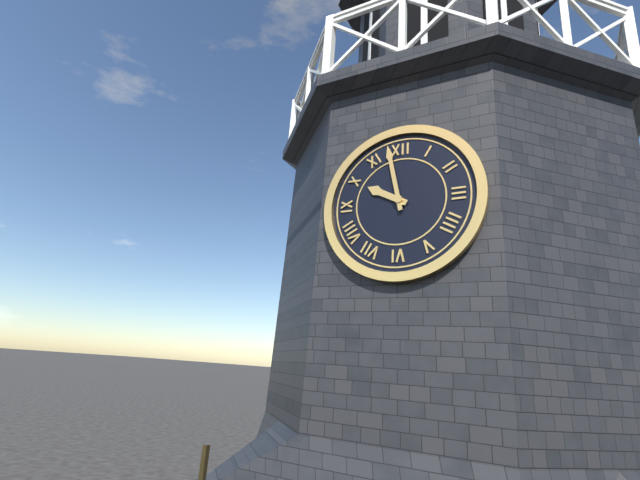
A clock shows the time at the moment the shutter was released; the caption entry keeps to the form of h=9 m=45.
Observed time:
h=9 m=58
